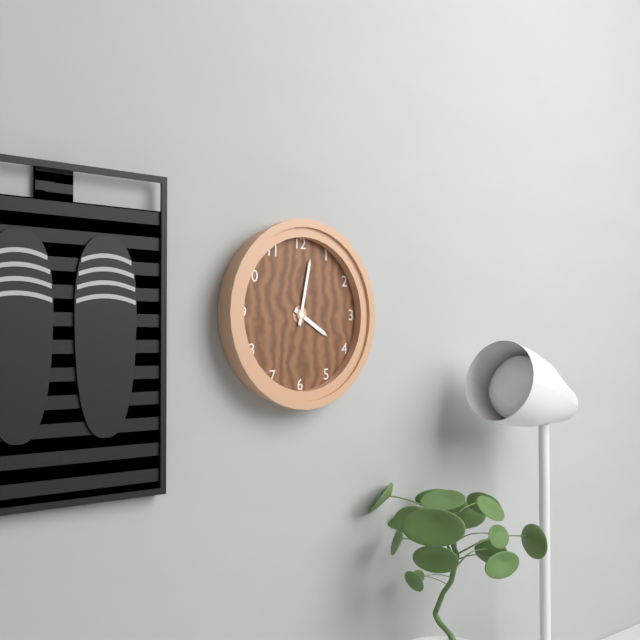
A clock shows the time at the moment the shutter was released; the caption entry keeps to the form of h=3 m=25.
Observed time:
h=4 m=2
